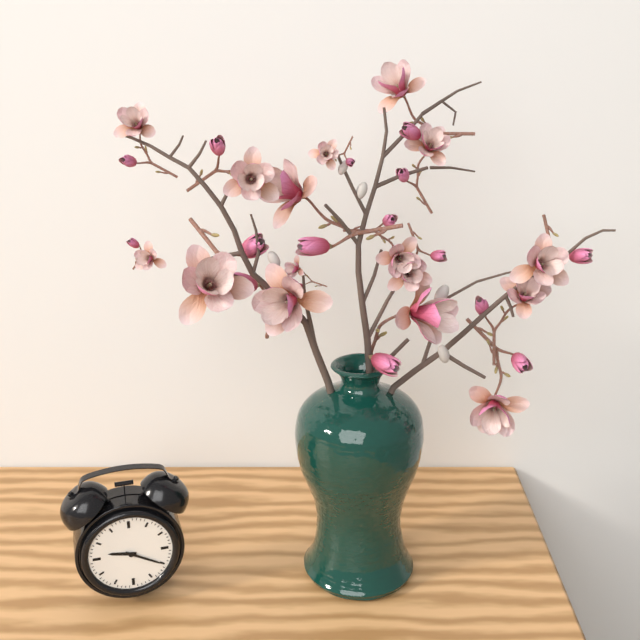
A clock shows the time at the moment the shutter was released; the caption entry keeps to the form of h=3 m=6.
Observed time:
h=9 m=20
